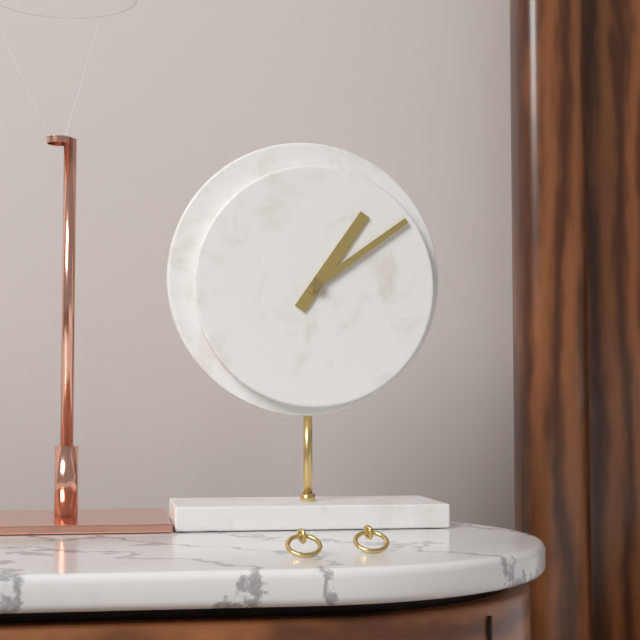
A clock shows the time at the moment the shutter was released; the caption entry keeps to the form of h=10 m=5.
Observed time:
h=1 m=9
